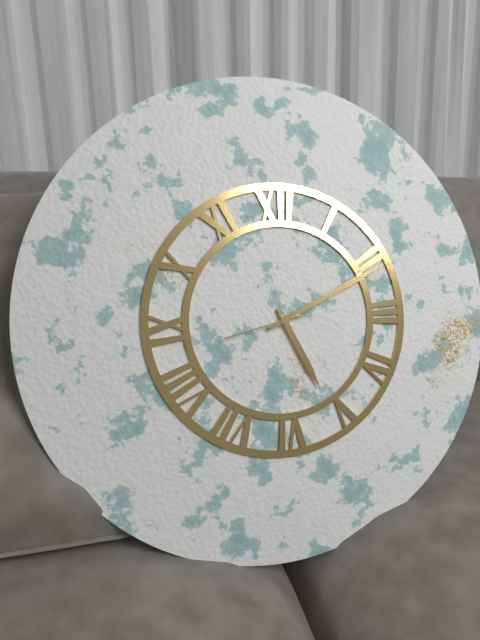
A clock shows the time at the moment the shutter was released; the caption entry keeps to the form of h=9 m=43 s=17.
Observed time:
h=5 m=11 s=43
